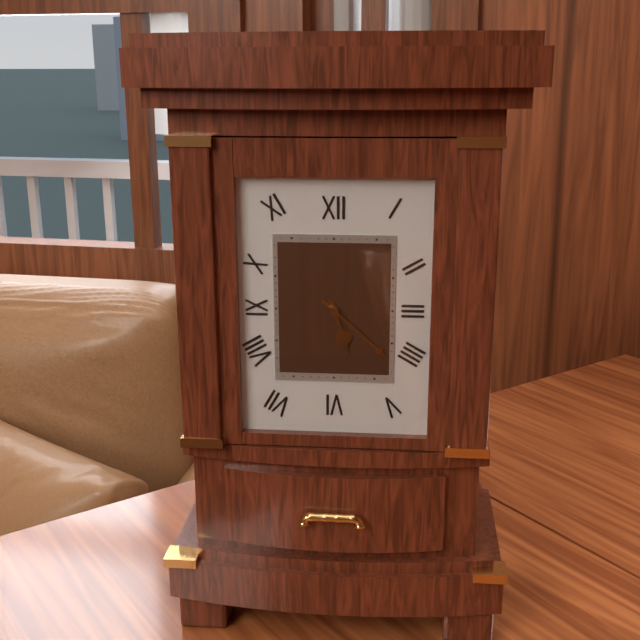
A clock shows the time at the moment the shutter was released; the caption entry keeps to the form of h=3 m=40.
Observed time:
h=5 m=22
